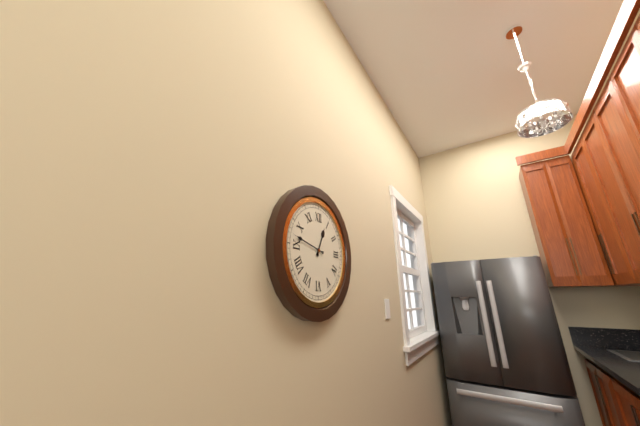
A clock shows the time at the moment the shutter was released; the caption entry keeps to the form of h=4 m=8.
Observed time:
h=12 m=47
